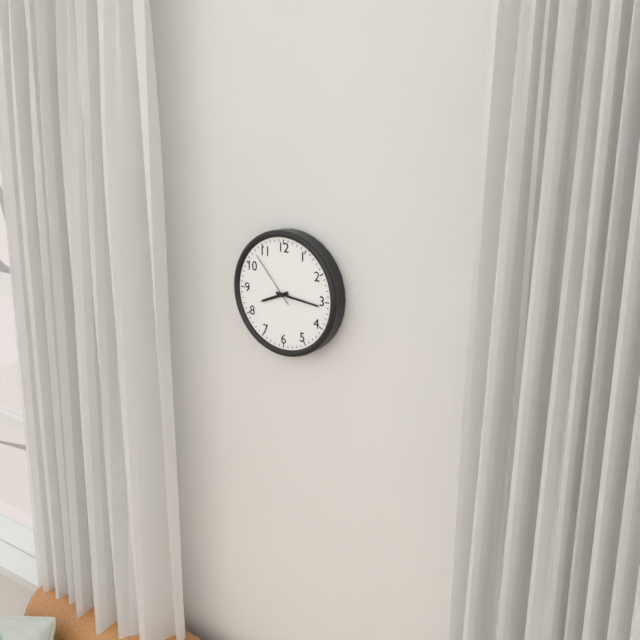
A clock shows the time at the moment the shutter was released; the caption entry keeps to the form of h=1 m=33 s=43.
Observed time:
h=8 m=16 s=53
